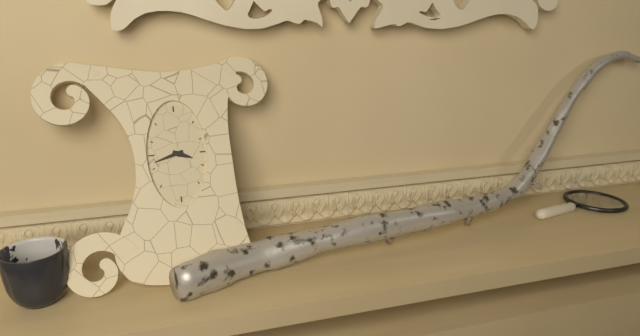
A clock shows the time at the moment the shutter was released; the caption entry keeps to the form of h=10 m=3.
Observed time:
h=3 m=42
